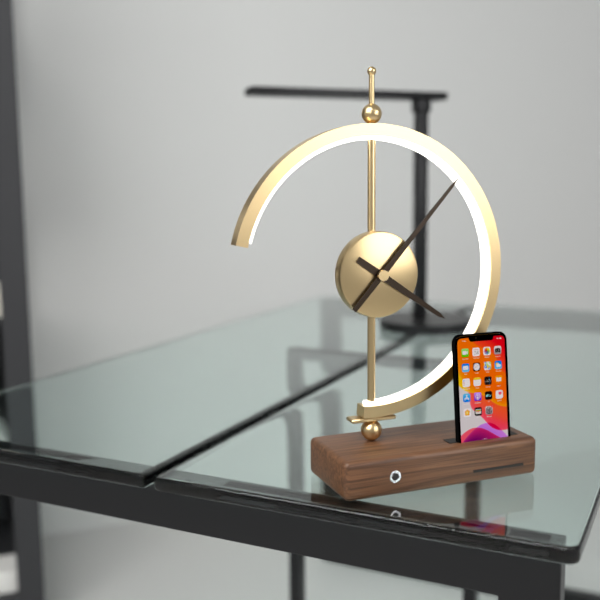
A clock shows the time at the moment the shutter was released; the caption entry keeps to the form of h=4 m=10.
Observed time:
h=4 m=7
